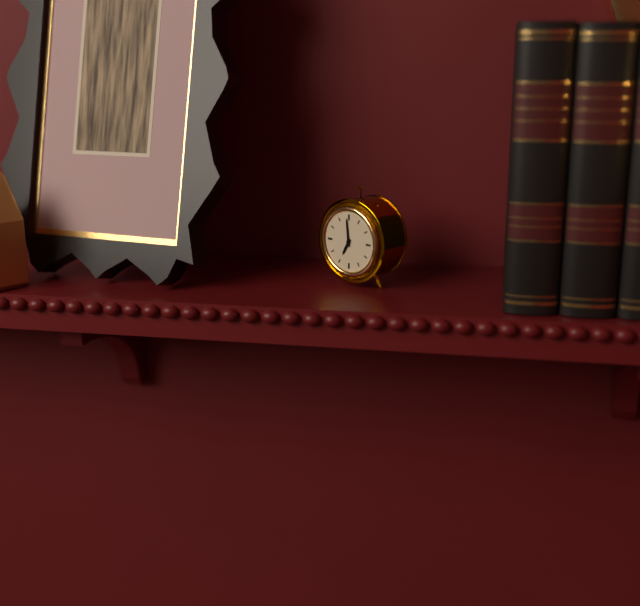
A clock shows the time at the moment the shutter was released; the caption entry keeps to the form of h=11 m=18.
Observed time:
h=6 m=59
